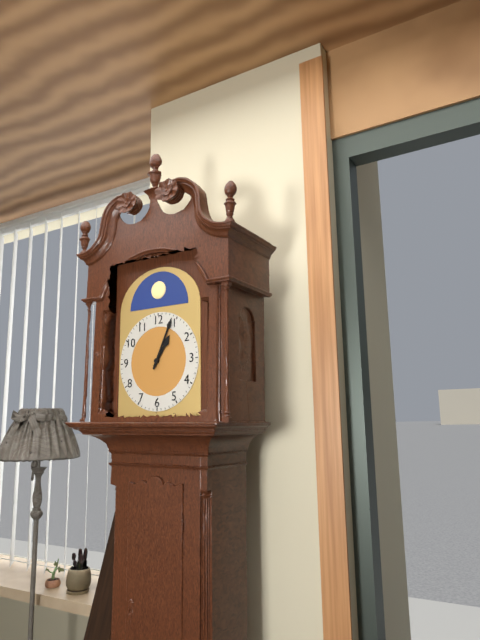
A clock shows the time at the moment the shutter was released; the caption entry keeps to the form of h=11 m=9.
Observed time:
h=1 m=4
